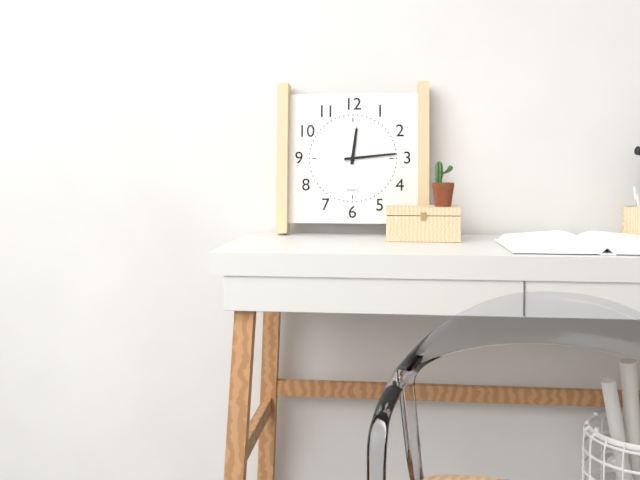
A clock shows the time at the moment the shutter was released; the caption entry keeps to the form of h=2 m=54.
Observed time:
h=12 m=14
